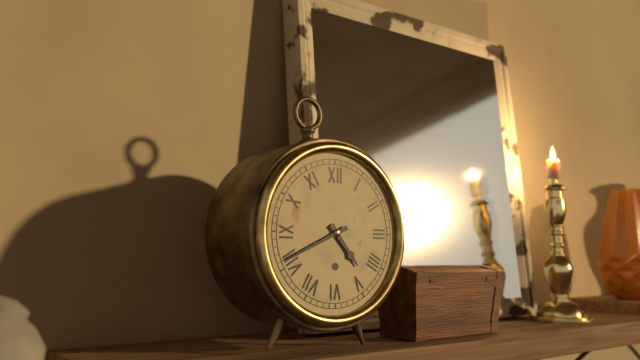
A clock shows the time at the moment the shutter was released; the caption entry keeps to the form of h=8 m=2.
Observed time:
h=4 m=41
